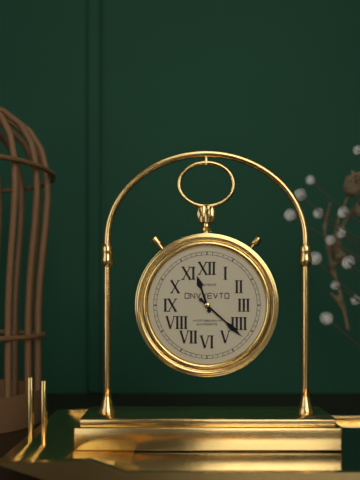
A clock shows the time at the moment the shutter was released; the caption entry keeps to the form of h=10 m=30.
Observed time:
h=11 m=22
